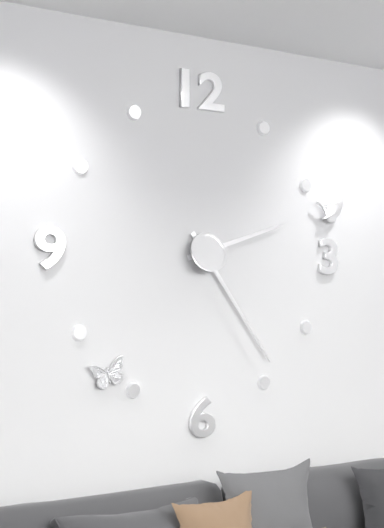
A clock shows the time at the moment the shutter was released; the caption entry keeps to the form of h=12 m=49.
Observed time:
h=2 m=24
